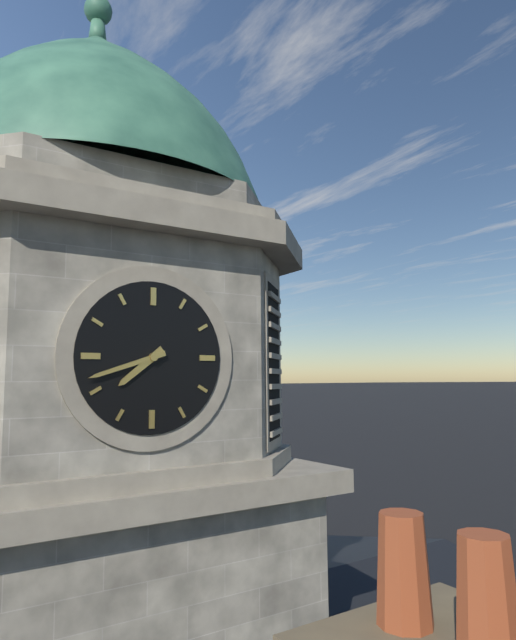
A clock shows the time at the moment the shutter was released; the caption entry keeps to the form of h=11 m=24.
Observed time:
h=7 m=42
